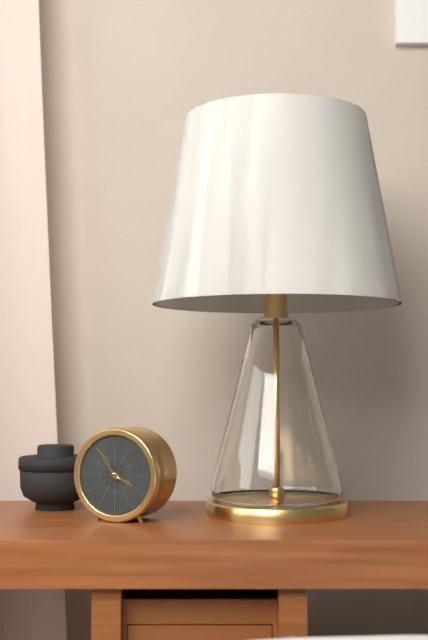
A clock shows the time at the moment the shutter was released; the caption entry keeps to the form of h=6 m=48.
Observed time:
h=3 m=54
